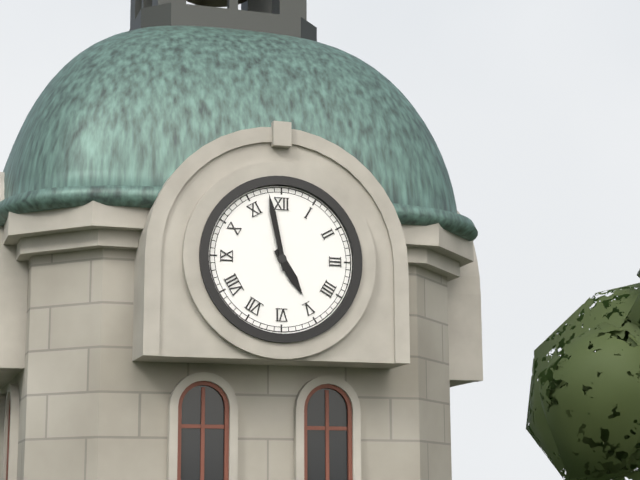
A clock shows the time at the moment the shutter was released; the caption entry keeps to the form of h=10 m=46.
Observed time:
h=4 m=58
